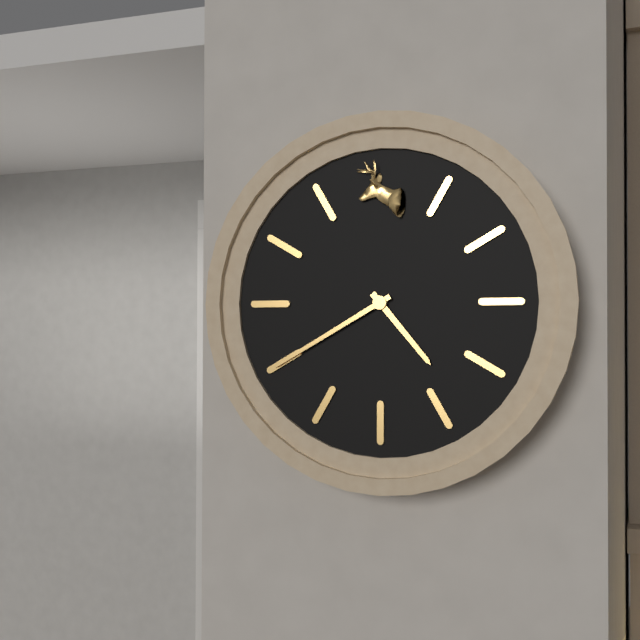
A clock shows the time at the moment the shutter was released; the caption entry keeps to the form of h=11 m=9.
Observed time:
h=4 m=40
